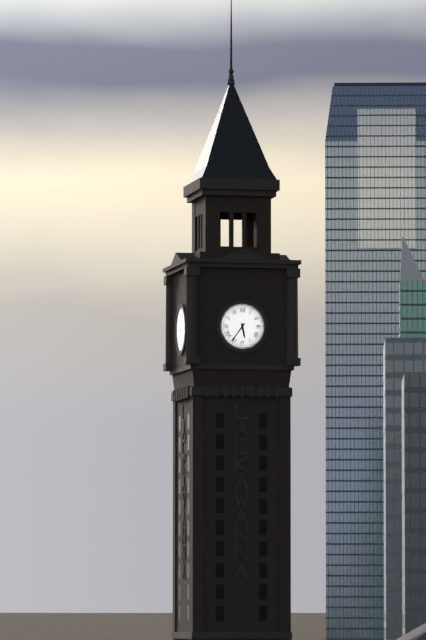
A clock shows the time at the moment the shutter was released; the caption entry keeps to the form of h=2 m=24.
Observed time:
h=5 m=36
